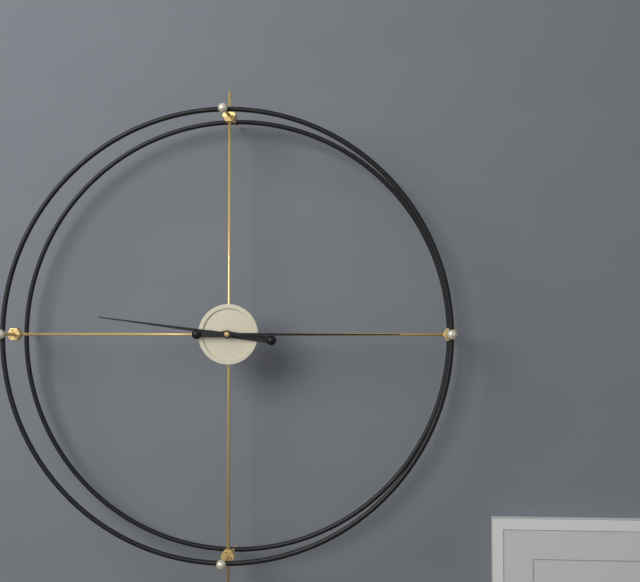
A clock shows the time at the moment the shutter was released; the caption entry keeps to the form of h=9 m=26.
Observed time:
h=9 m=15
